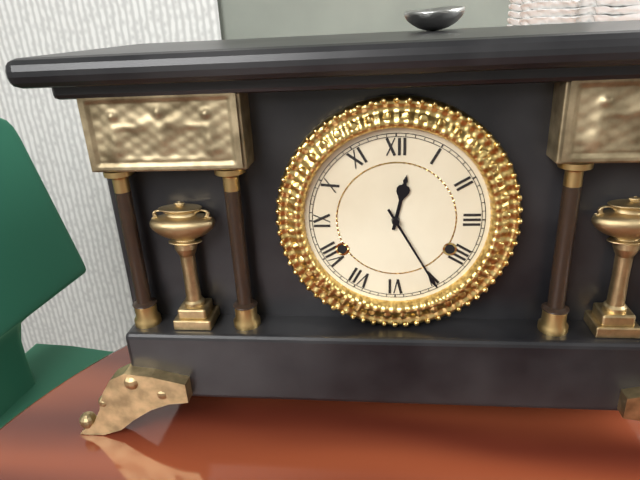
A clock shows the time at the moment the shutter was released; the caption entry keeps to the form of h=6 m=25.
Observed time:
h=12 m=25
